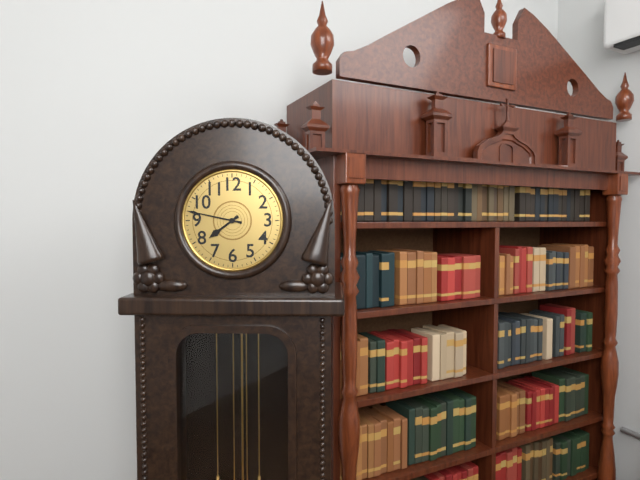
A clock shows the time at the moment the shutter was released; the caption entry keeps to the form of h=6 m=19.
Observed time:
h=7 m=47
